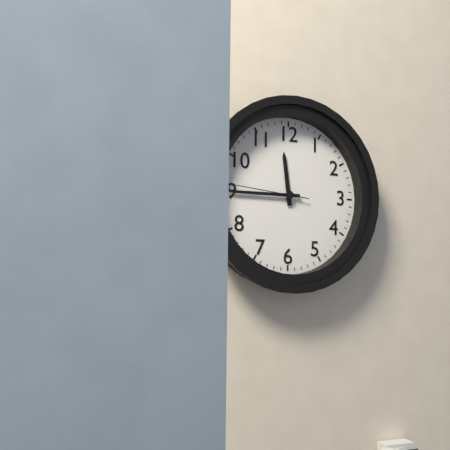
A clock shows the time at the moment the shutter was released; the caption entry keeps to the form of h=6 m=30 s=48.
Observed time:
h=11 m=45 s=46
